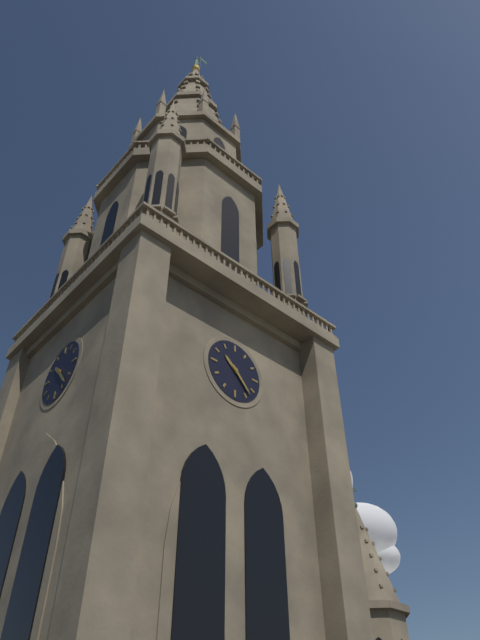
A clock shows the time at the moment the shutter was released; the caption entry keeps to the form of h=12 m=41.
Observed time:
h=10 m=23
